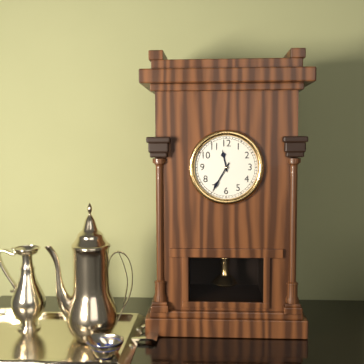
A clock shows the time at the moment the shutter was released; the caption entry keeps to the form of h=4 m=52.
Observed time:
h=11 m=35
